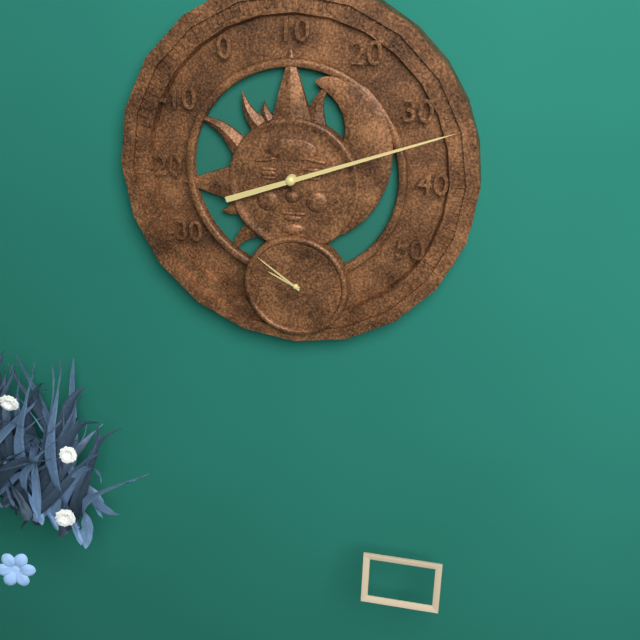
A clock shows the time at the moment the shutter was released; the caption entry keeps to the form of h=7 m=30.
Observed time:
h=9 m=51
